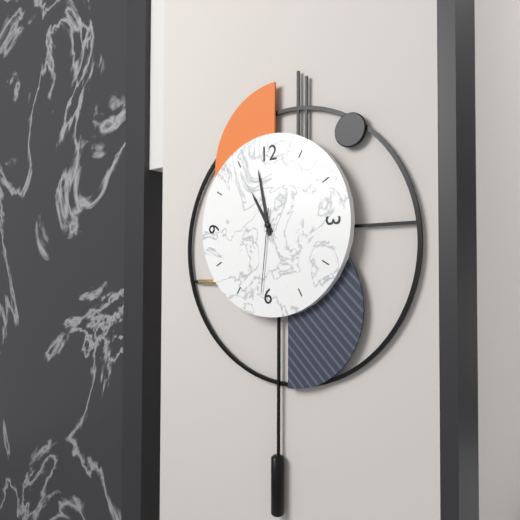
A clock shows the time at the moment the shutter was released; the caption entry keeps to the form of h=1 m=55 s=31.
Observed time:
h=10 m=58 s=31
